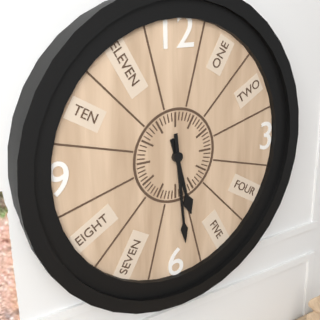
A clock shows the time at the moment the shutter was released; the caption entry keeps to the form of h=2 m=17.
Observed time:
h=5 m=29
